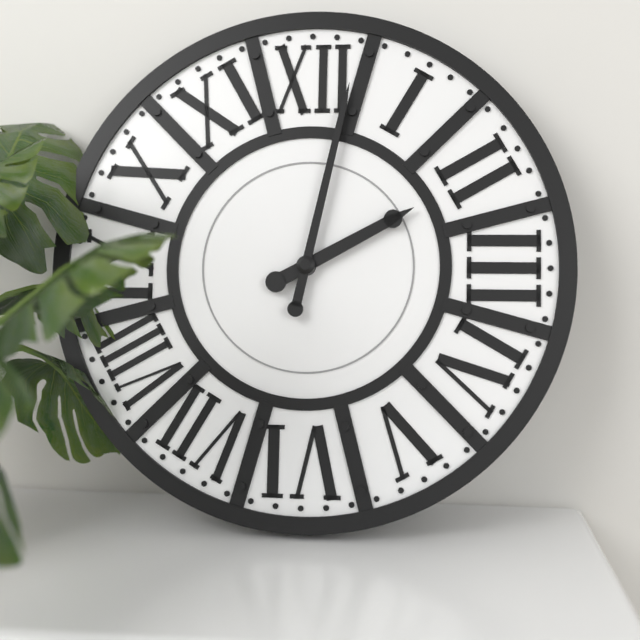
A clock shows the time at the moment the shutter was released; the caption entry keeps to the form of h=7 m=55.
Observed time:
h=2 m=2
